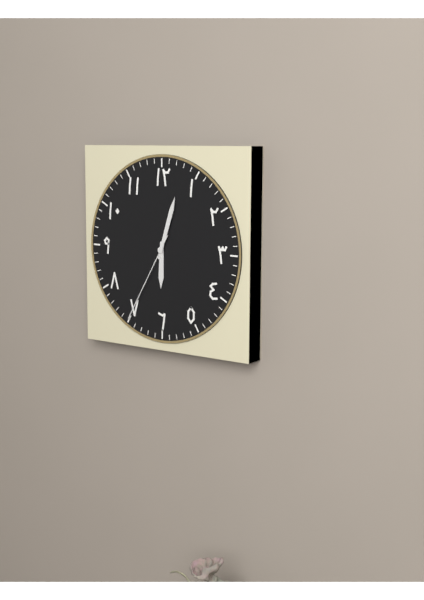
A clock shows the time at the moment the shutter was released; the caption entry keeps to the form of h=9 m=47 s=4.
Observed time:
h=6 m=3 s=35
